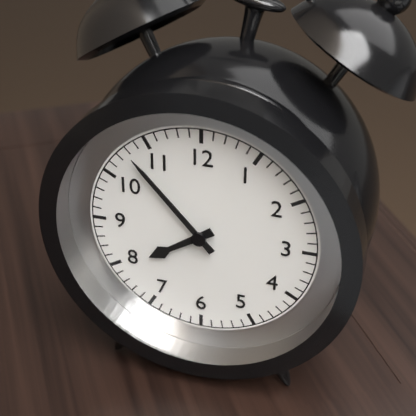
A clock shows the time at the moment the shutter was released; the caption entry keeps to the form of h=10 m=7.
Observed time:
h=7 m=53
